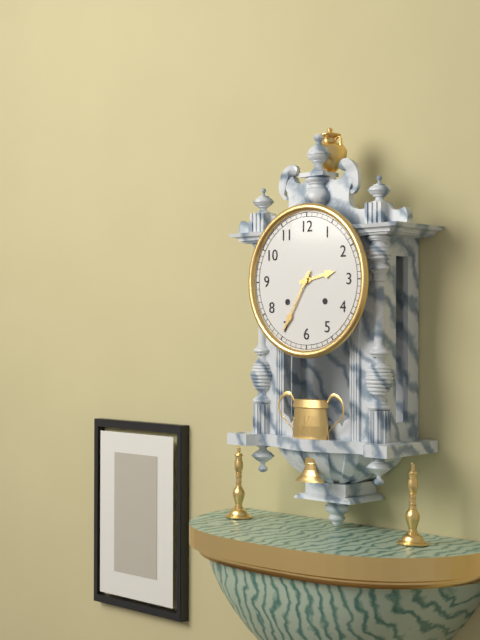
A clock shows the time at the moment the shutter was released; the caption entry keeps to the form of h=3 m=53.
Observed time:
h=2 m=35
